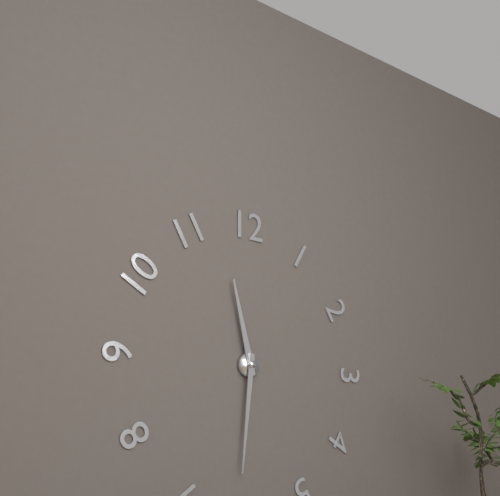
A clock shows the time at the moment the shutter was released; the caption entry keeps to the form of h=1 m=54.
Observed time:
h=11 m=31
